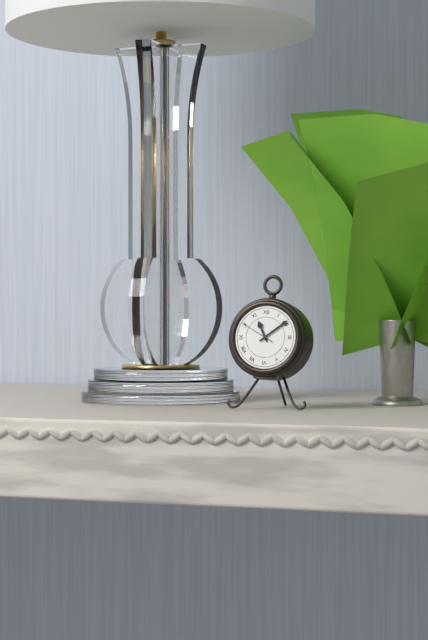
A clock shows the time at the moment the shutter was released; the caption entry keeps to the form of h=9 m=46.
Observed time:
h=11 m=9
